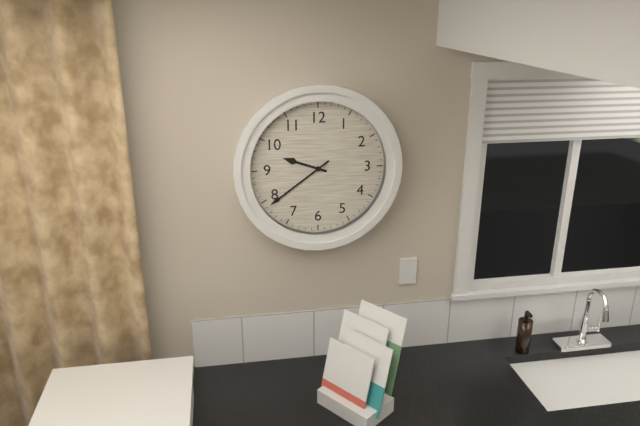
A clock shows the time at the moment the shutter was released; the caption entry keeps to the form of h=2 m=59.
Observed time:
h=9 m=39
